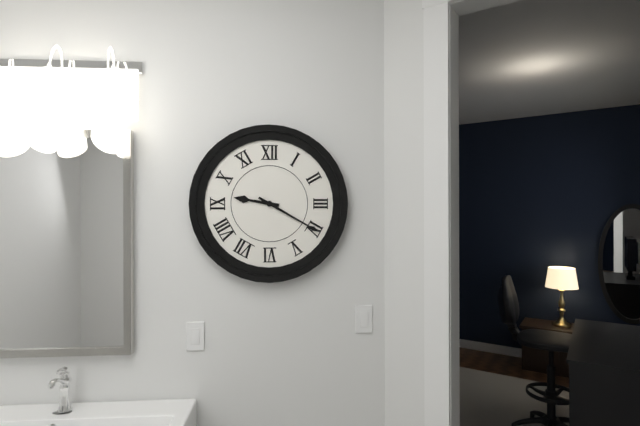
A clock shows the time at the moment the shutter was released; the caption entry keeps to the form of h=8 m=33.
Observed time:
h=9 m=20
